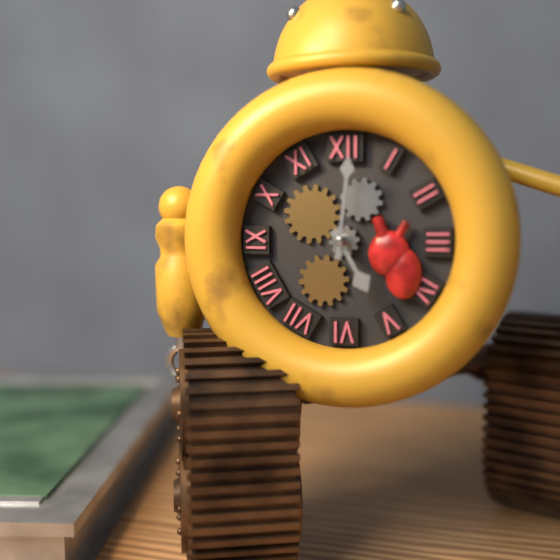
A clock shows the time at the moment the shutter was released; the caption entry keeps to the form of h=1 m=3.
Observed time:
h=5 m=1
